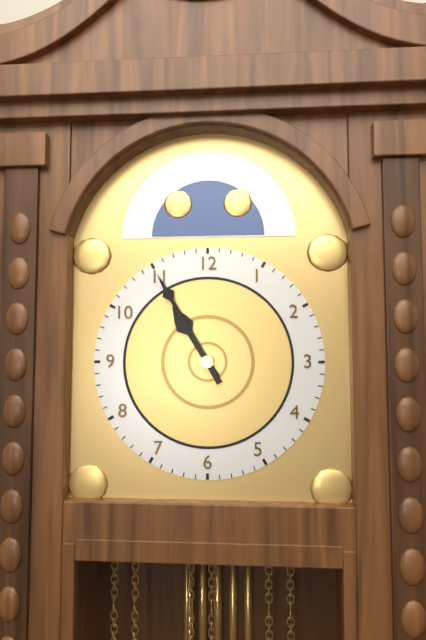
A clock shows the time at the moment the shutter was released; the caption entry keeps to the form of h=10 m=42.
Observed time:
h=10 m=55
